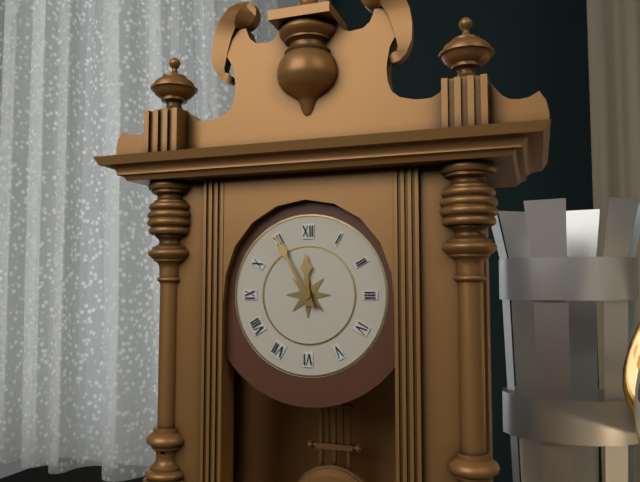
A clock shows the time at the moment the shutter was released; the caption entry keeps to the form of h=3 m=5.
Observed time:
h=11 m=55
